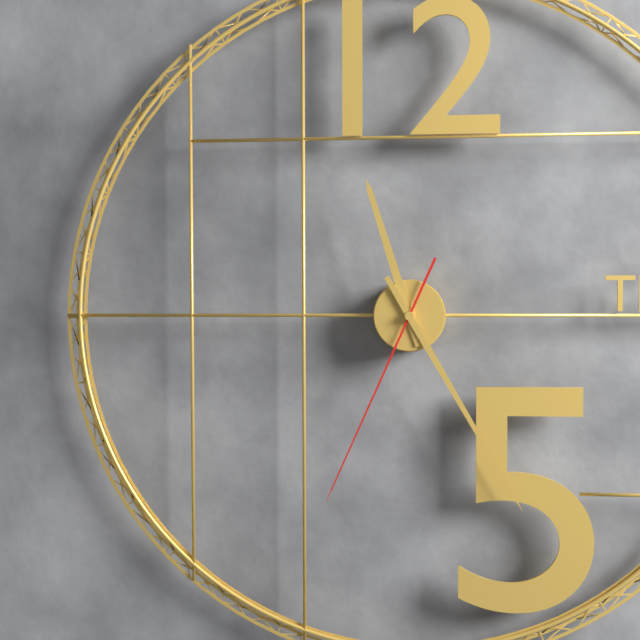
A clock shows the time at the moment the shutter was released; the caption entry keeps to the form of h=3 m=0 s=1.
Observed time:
h=11 m=25 s=34
